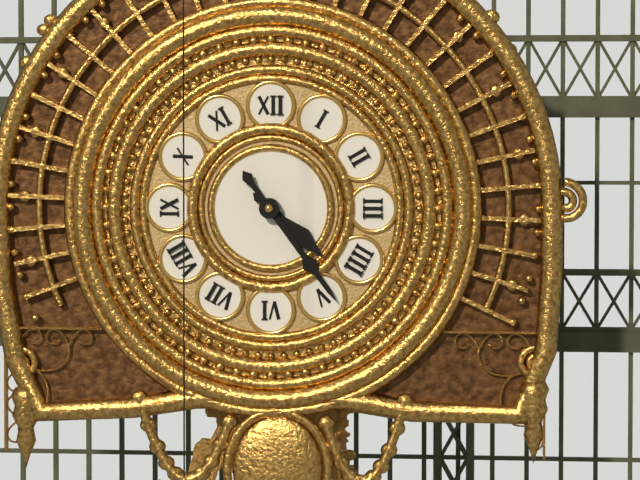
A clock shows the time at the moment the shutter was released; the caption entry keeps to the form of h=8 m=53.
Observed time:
h=4 m=24
